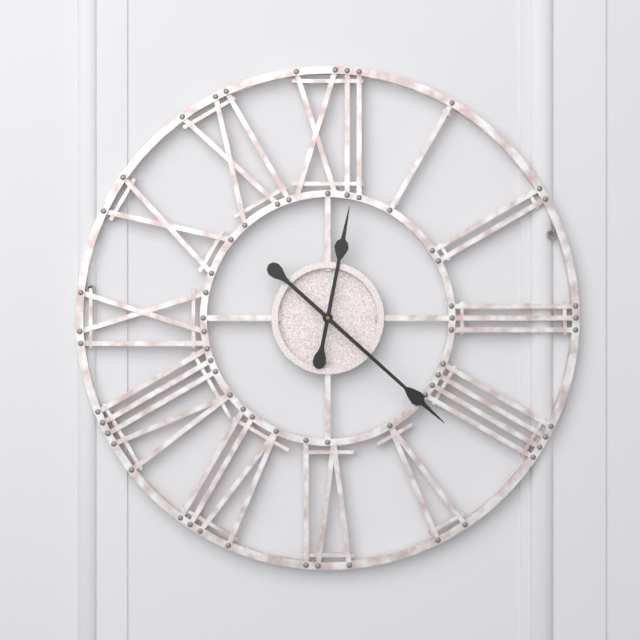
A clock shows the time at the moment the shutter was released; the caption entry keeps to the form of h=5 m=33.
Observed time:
h=12 m=22
